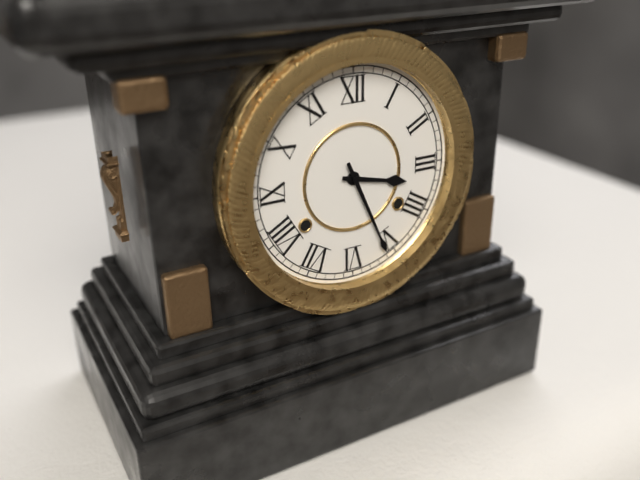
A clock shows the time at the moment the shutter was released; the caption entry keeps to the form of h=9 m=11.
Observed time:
h=3 m=26
